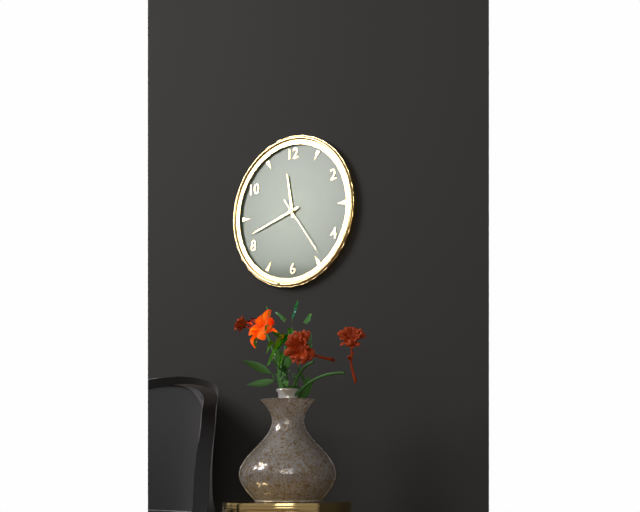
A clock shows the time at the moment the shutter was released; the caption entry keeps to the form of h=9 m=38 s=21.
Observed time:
h=11 m=42 s=24
